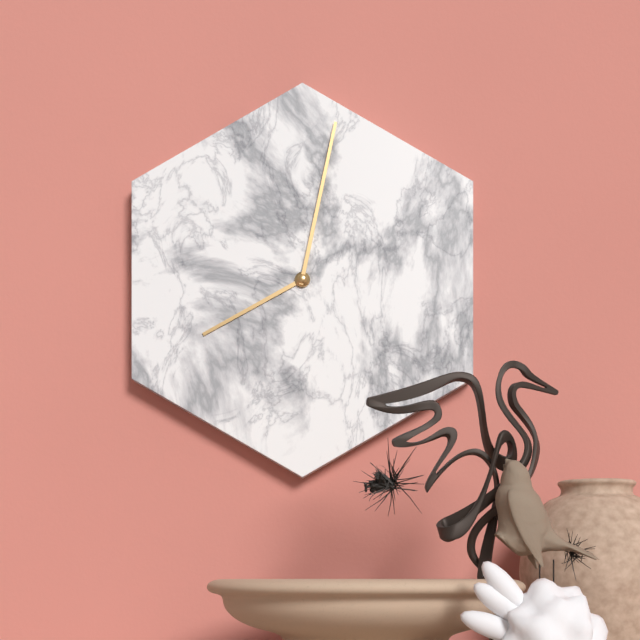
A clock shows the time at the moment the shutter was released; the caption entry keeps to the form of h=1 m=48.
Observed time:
h=8 m=2
